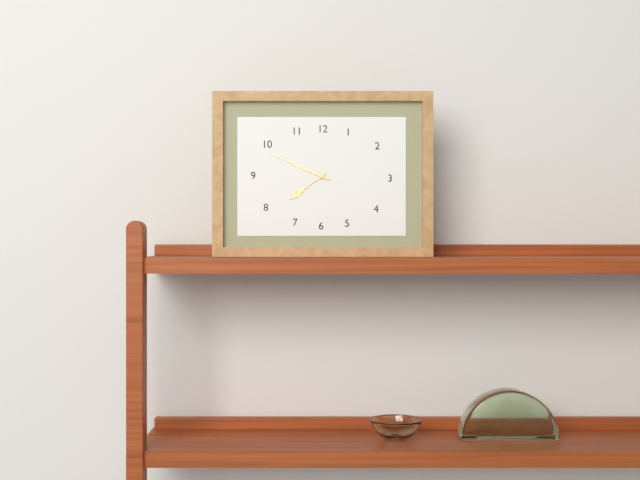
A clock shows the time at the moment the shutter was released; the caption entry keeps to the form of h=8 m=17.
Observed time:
h=7 m=49
